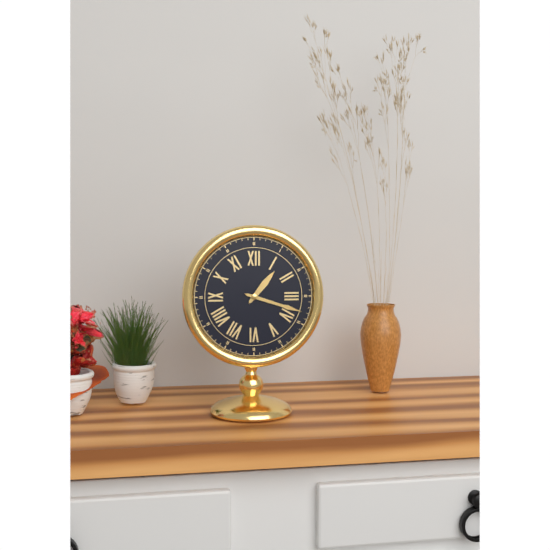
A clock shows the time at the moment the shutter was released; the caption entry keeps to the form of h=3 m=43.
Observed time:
h=1 m=18
